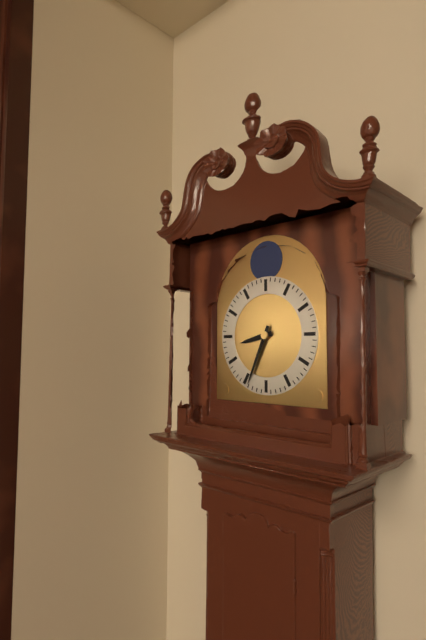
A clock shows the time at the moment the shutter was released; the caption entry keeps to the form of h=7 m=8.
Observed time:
h=8 m=34
